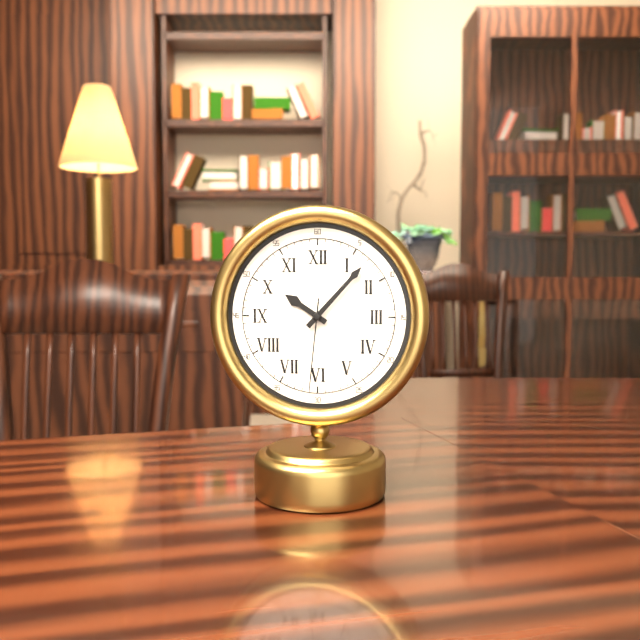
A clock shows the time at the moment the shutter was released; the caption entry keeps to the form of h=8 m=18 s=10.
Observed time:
h=10 m=7 s=31
